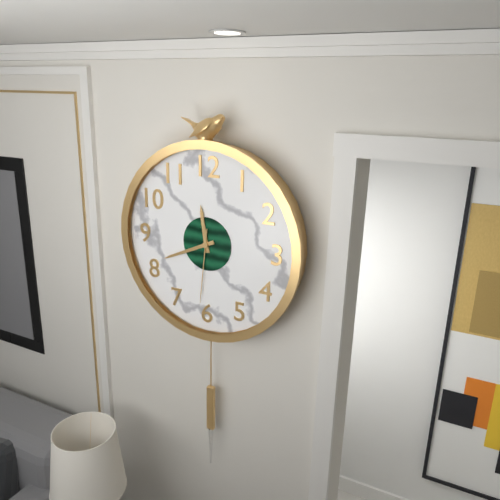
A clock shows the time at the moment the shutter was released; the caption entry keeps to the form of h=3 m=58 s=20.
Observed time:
h=11 m=41 s=31
